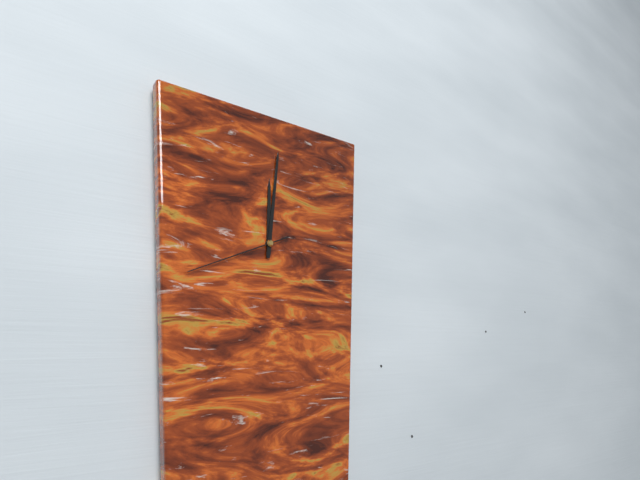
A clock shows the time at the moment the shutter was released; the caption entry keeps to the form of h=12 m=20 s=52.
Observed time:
h=12 m=1 s=41
